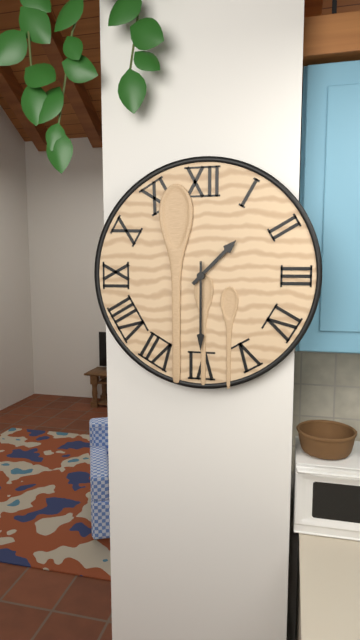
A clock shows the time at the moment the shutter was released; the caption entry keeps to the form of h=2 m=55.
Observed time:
h=1 m=30
